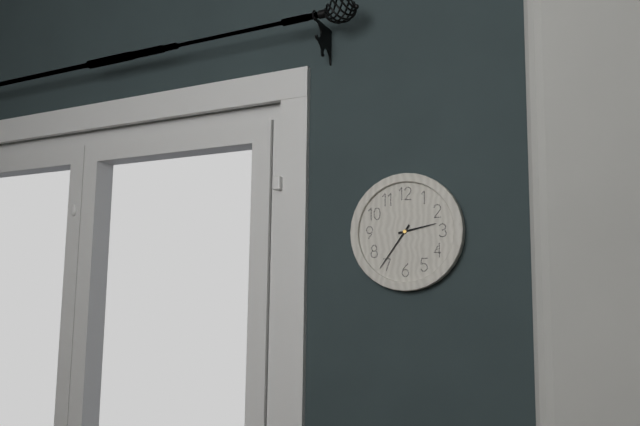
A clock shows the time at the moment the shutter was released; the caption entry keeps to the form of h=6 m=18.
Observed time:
h=2 m=36
